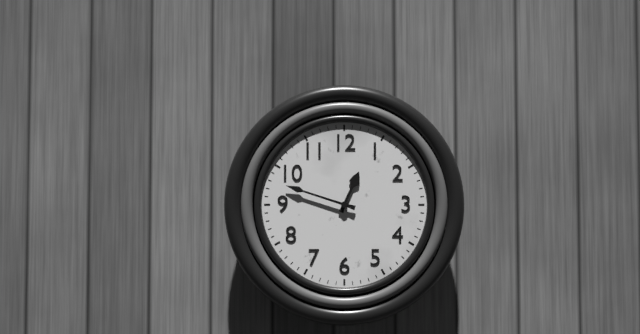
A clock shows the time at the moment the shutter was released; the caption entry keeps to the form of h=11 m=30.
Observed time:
h=12 m=48
